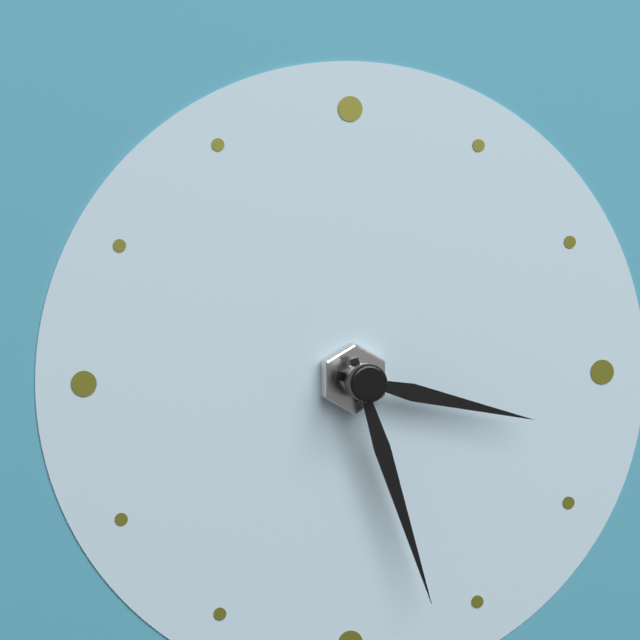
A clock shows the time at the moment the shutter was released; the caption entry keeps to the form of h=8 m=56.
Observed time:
h=3 m=27
